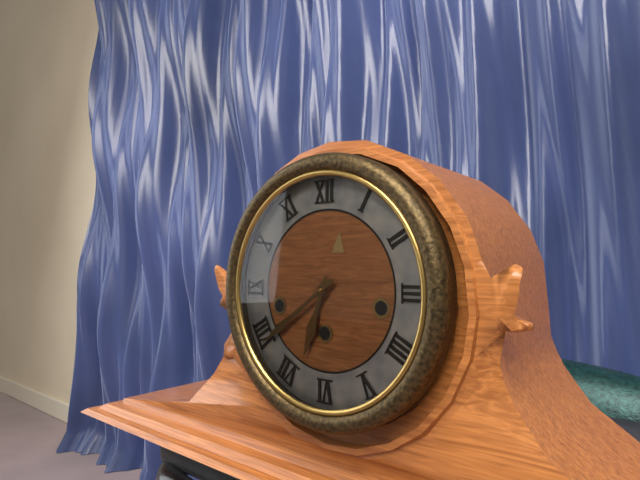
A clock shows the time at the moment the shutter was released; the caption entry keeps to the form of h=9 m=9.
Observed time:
h=6 m=39
